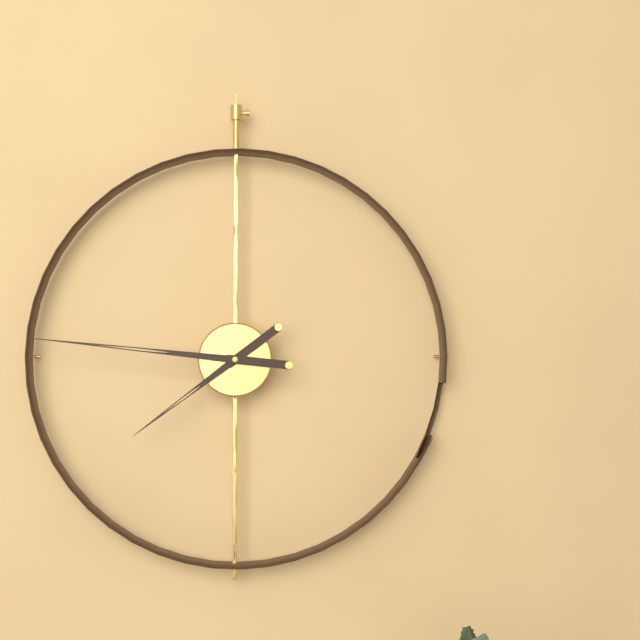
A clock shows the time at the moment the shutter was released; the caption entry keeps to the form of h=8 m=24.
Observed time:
h=7 m=46
